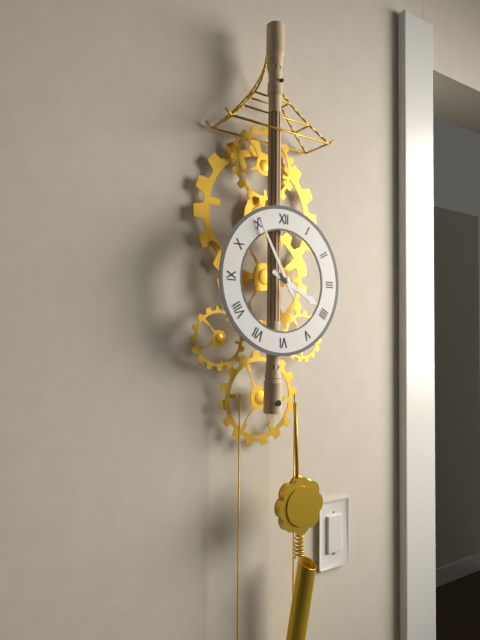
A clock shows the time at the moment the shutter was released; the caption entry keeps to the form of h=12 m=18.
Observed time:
h=3 m=55
